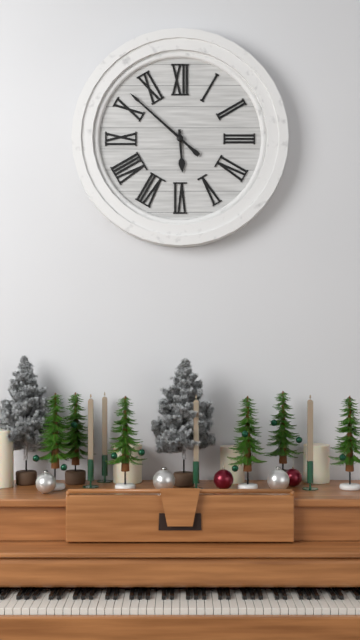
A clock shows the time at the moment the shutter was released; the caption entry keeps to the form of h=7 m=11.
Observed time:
h=5 m=52
